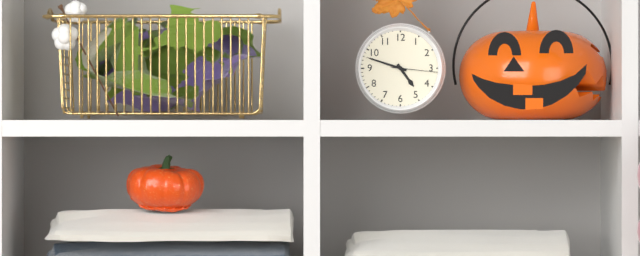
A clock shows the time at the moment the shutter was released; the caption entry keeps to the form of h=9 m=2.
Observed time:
h=4 m=48
